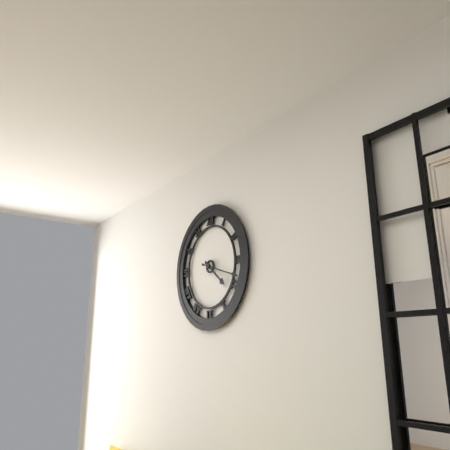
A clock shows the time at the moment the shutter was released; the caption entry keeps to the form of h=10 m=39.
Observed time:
h=4 m=18
